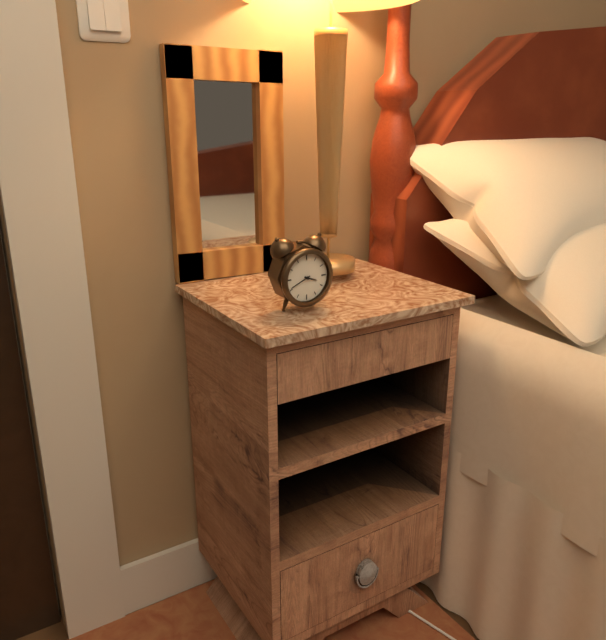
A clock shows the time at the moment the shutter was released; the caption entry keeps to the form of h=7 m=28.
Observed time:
h=3 m=41
